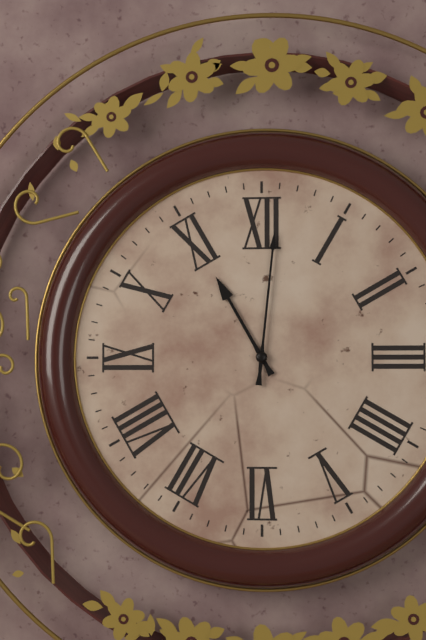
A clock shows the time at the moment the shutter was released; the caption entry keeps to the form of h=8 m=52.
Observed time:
h=11 m=1
